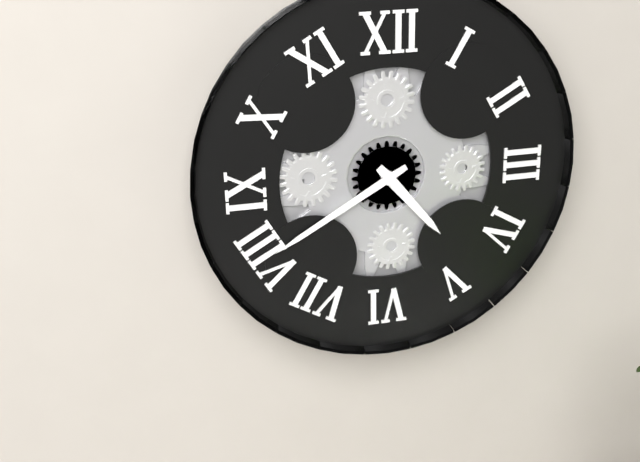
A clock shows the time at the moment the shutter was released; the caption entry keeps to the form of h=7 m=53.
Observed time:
h=4 m=40
